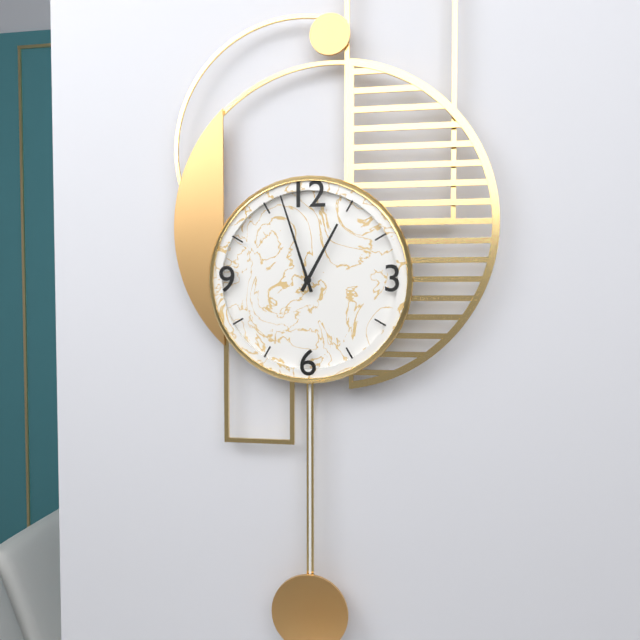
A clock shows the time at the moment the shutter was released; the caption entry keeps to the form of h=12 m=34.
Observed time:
h=12 m=57
